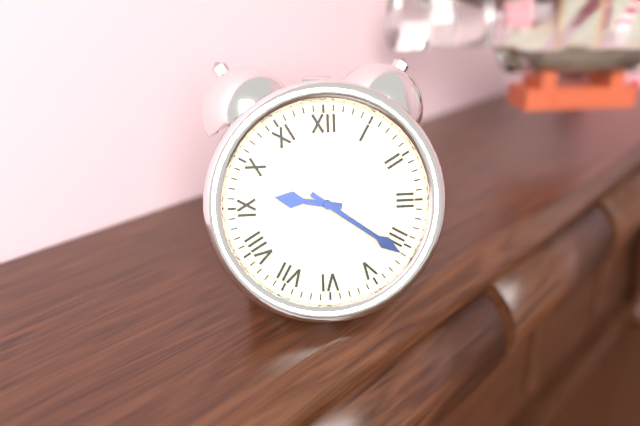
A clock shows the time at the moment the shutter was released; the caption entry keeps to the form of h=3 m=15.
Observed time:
h=9 m=21
